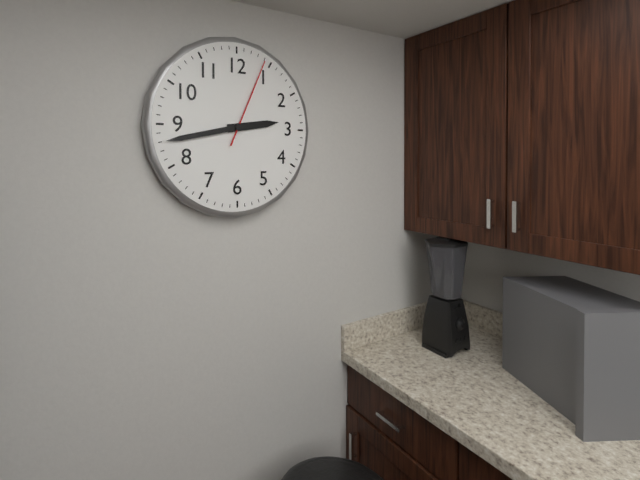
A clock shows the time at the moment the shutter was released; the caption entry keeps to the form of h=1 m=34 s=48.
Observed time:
h=2 m=43 s=4
